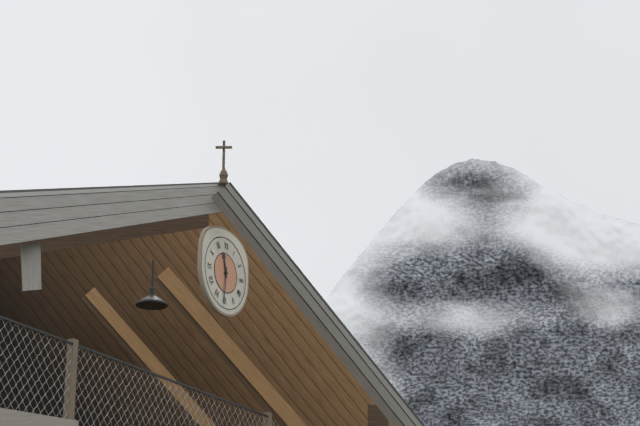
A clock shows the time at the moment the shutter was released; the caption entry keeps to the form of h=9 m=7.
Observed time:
h=11 m=31
